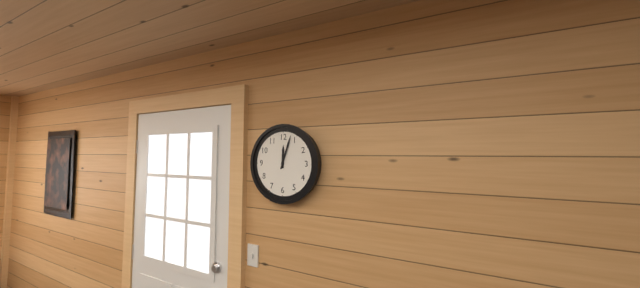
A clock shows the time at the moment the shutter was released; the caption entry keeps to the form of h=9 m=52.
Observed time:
h=12 m=3
